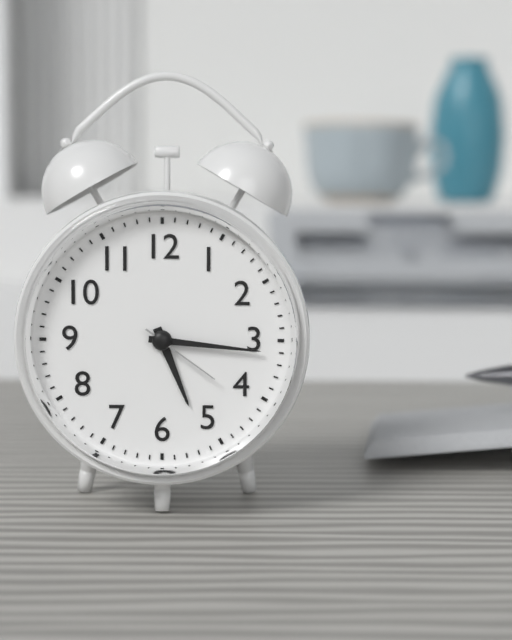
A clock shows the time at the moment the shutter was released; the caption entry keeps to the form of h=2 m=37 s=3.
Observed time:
h=5 m=16 s=21
